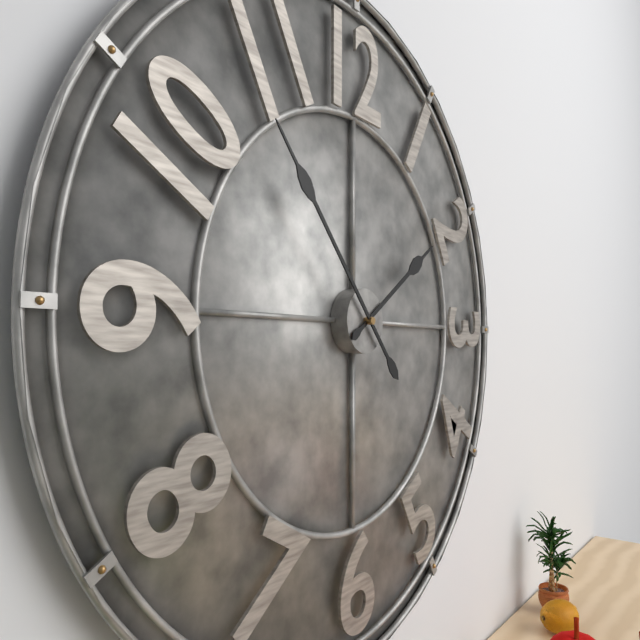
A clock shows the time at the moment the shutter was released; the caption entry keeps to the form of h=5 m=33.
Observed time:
h=1 m=53
